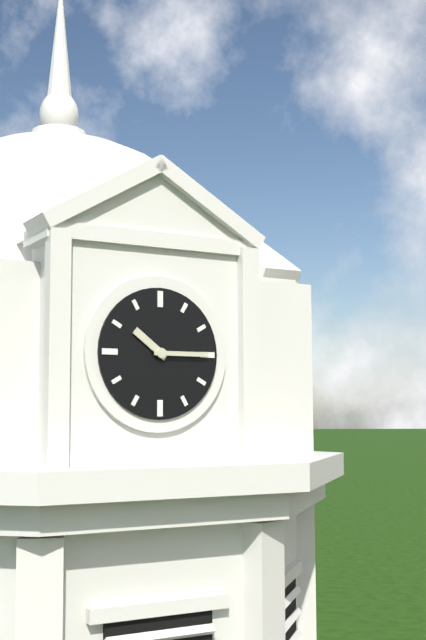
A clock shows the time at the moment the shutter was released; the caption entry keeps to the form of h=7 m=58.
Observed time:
h=10 m=15
